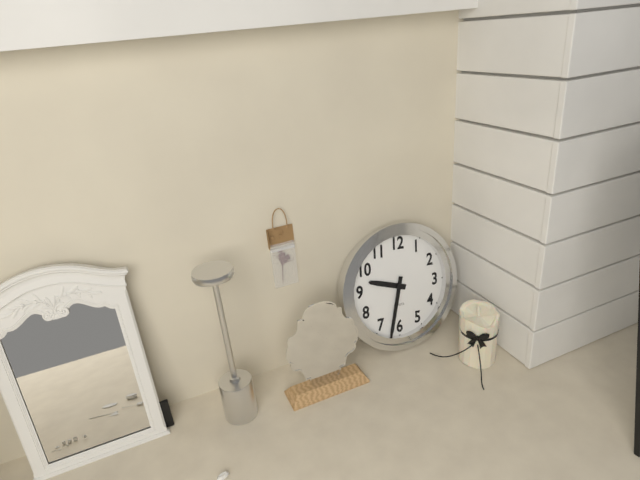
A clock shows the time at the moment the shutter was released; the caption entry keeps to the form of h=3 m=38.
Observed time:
h=9 m=32
